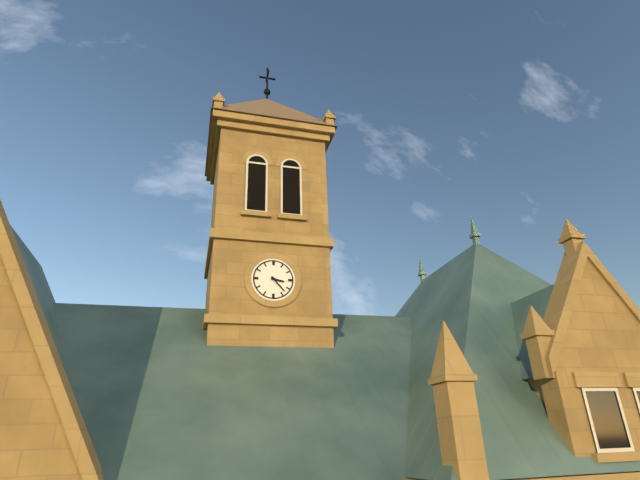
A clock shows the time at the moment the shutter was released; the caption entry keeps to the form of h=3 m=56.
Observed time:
h=3 m=23
